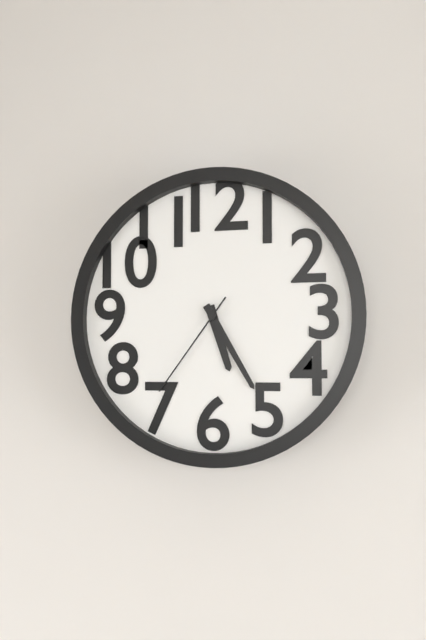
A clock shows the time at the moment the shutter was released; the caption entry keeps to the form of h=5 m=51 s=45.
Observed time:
h=5 m=25 s=36
